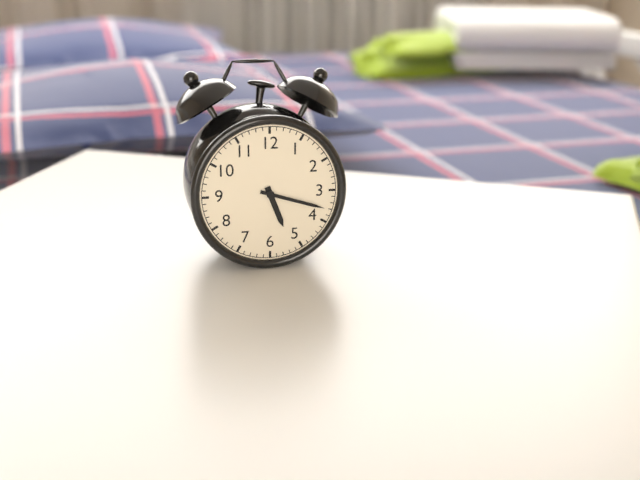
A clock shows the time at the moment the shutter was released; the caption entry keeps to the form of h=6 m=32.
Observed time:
h=5 m=18
